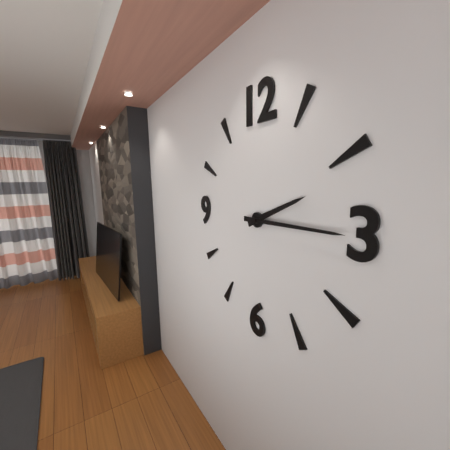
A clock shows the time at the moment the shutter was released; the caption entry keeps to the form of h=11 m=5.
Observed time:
h=2 m=15
